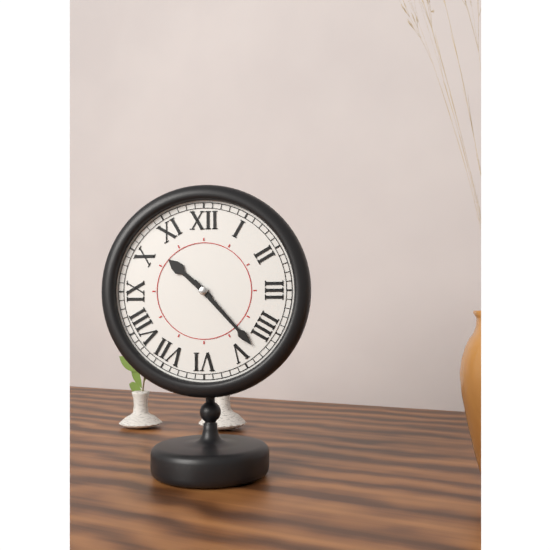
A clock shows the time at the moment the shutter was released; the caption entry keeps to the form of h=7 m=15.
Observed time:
h=10 m=23
